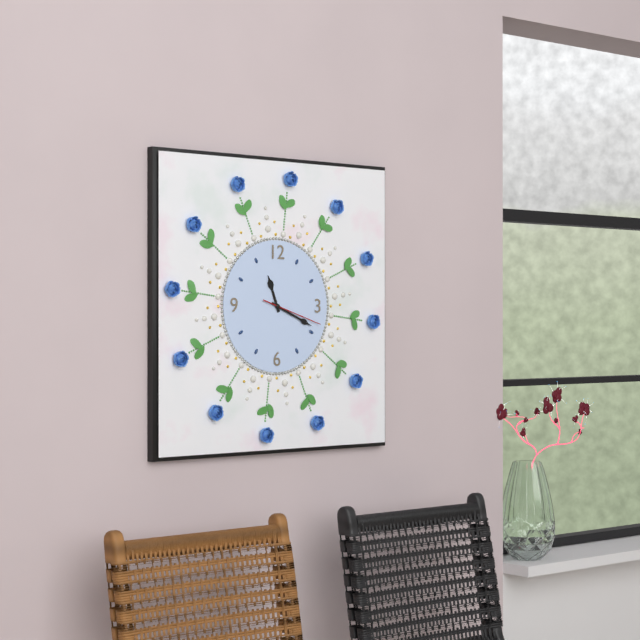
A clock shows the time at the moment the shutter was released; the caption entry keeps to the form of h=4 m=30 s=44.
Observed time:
h=11 m=19 s=18
